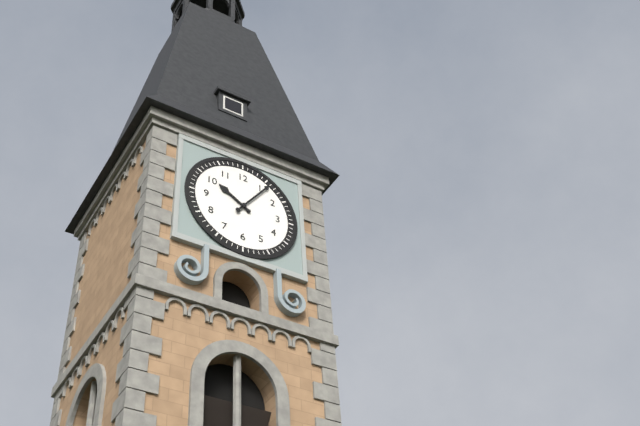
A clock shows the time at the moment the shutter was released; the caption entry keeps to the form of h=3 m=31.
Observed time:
h=10 m=6
